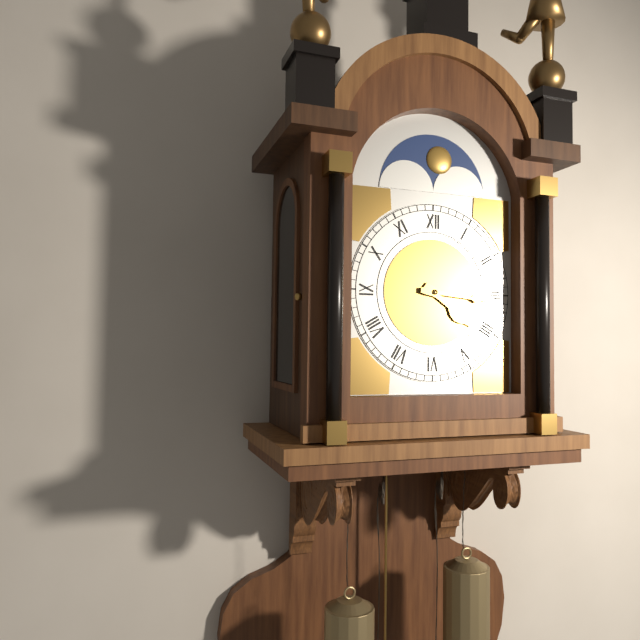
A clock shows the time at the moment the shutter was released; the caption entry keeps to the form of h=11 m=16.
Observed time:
h=4 m=16
